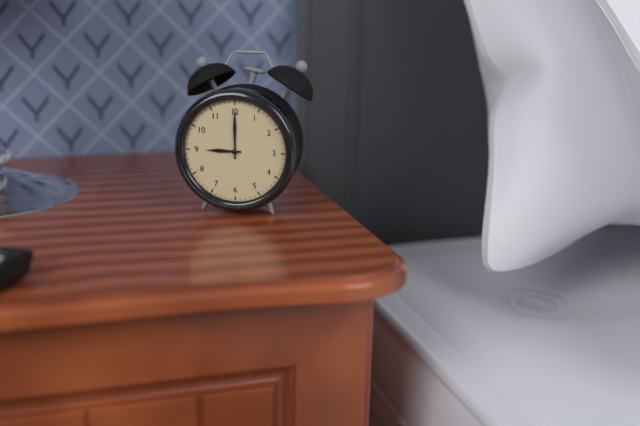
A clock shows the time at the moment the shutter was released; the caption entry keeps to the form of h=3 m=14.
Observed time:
h=9 m=0
